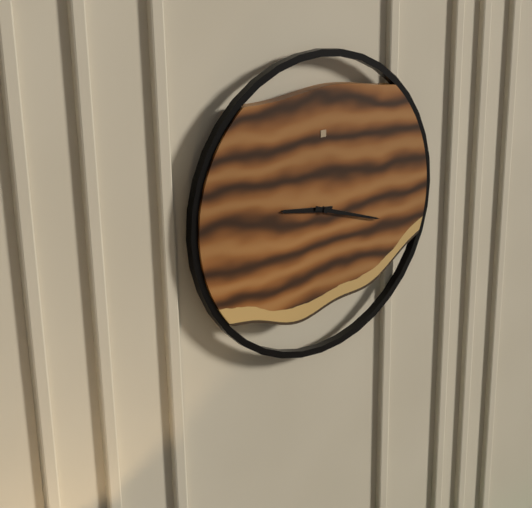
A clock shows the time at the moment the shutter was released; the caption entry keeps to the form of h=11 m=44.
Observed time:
h=9 m=18
